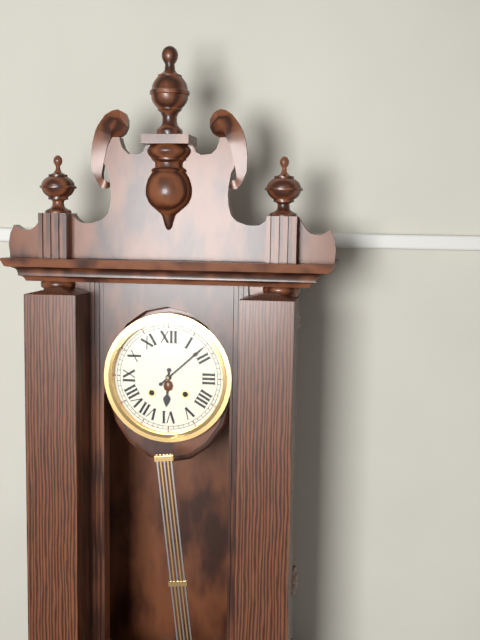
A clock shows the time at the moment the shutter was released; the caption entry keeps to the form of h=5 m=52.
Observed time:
h=6 m=8
